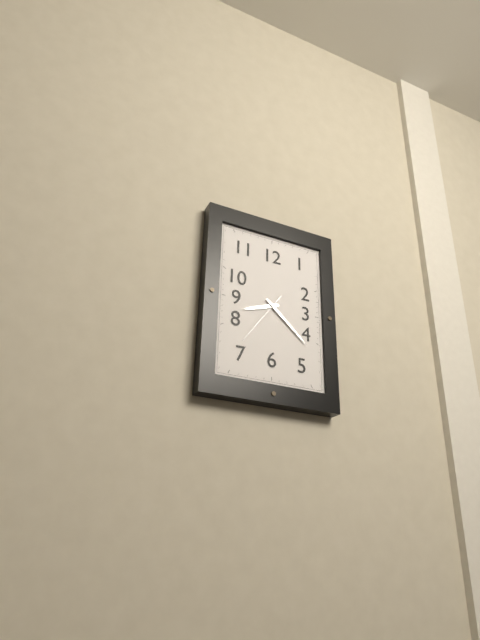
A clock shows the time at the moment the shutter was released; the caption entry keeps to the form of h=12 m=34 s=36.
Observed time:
h=8 m=22 s=36
